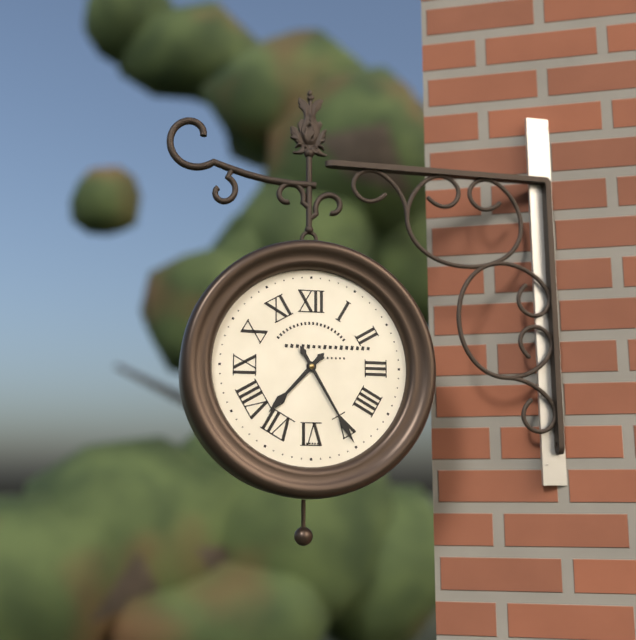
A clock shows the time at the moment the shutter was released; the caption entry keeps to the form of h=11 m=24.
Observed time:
h=7 m=25
